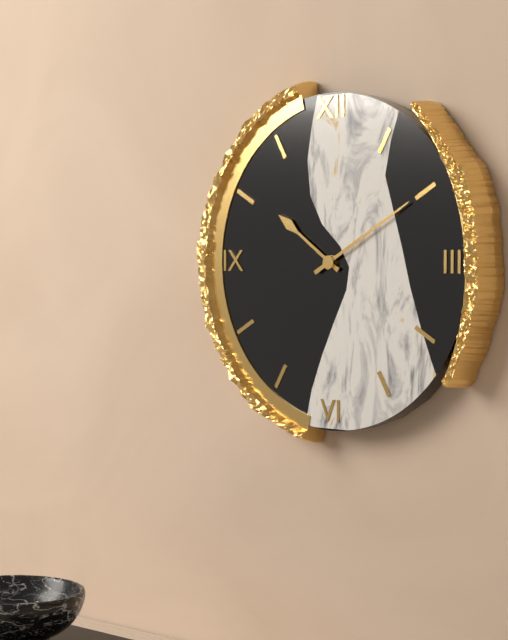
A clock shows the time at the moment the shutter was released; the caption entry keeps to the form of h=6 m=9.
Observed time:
h=10 m=10
